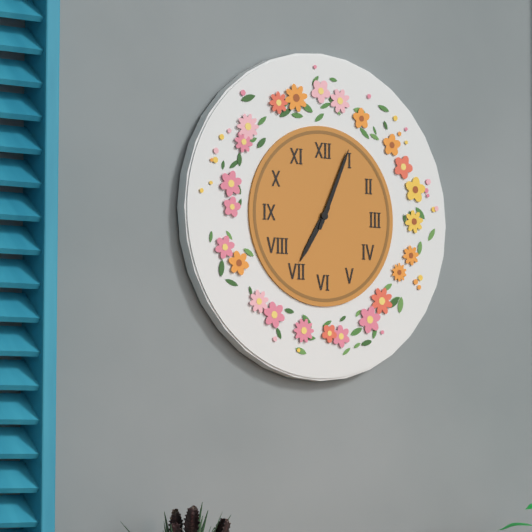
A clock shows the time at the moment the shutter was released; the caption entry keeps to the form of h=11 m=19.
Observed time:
h=7 m=4
